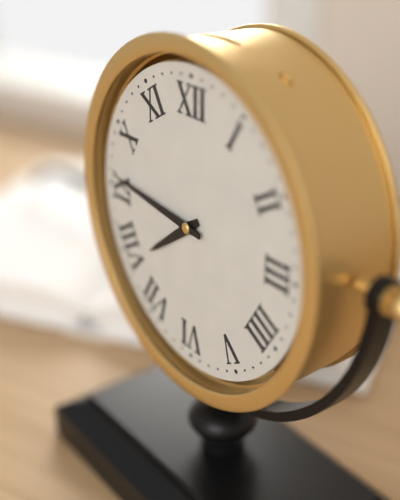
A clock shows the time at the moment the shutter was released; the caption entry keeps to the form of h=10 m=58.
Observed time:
h=7 m=46
